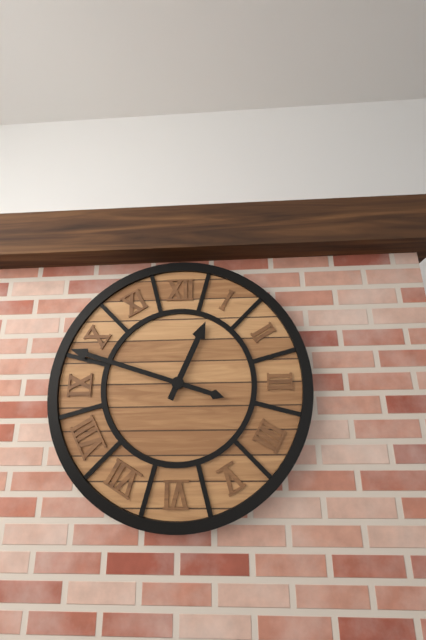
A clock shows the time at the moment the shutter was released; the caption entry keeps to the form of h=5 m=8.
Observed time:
h=12 m=48
